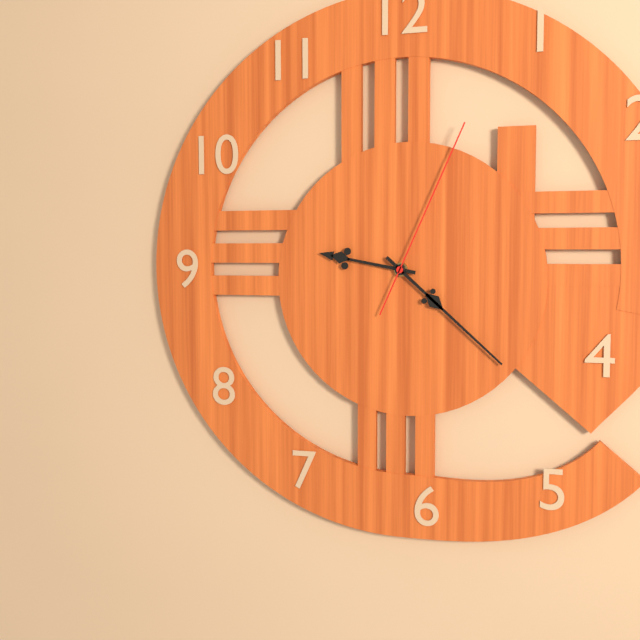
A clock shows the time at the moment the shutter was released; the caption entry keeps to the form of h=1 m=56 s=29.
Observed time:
h=9 m=22 s=4
